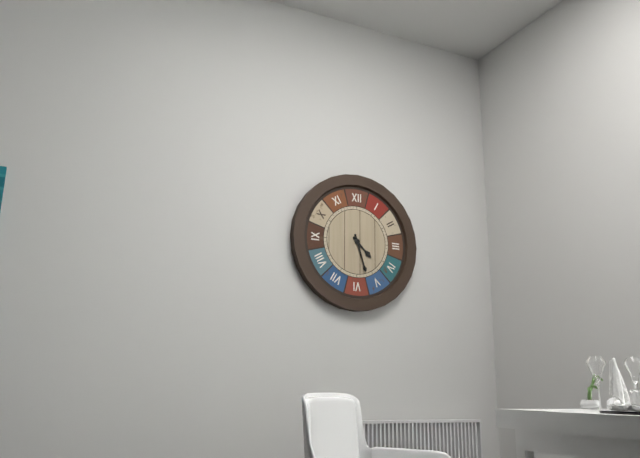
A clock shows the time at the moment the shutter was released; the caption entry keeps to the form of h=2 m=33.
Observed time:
h=4 m=27
